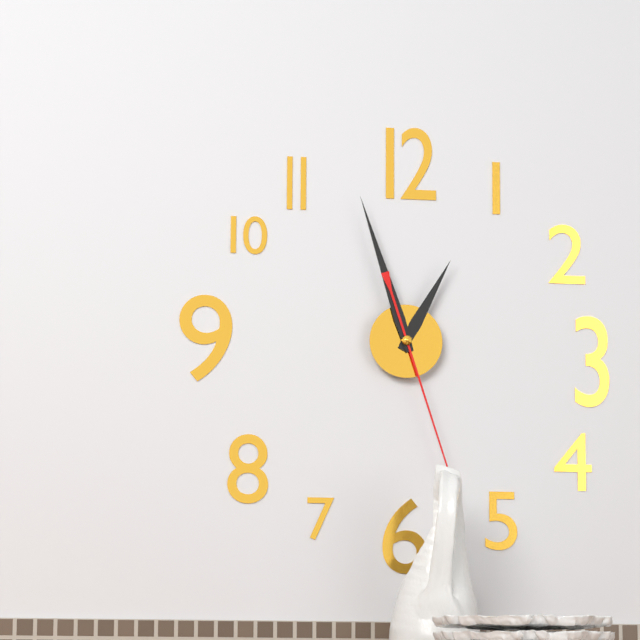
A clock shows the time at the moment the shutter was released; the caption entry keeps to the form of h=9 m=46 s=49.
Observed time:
h=12 m=57 s=27
